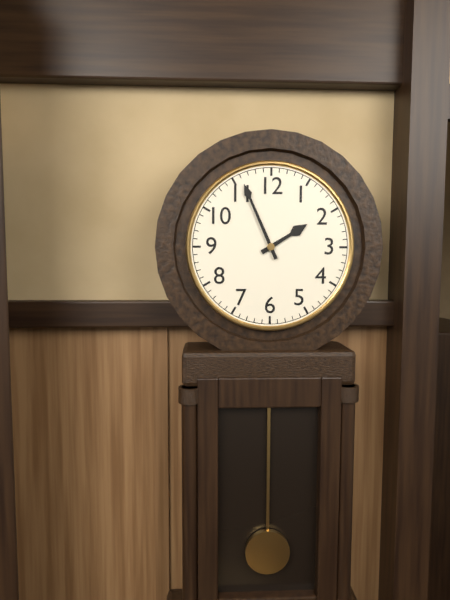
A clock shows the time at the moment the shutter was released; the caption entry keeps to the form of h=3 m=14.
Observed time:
h=1 m=56
